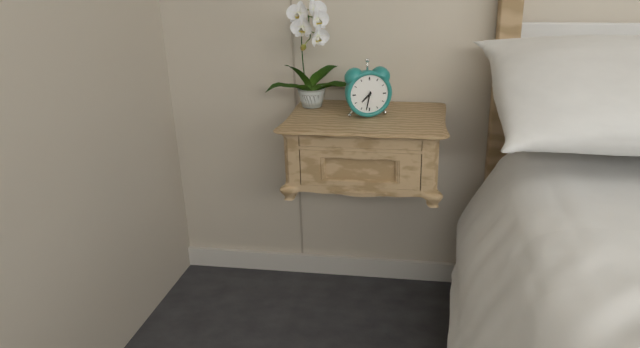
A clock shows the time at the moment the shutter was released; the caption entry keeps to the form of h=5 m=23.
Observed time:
h=7 m=32
